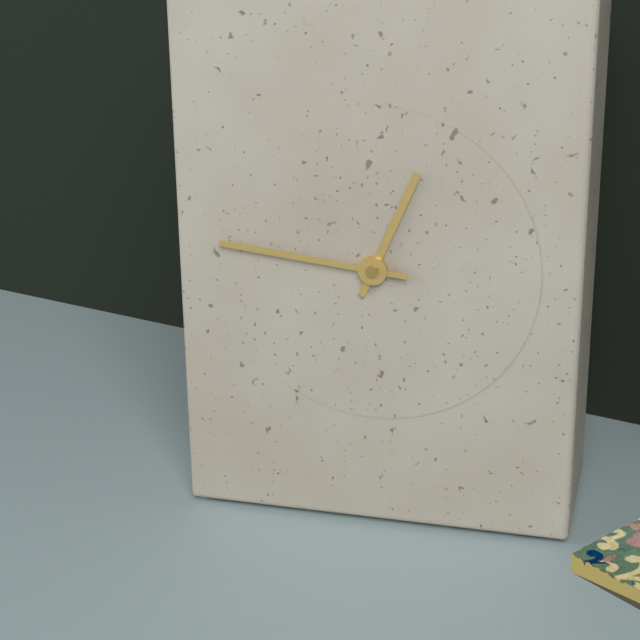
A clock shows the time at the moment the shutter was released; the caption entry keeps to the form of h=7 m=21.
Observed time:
h=12 m=46
